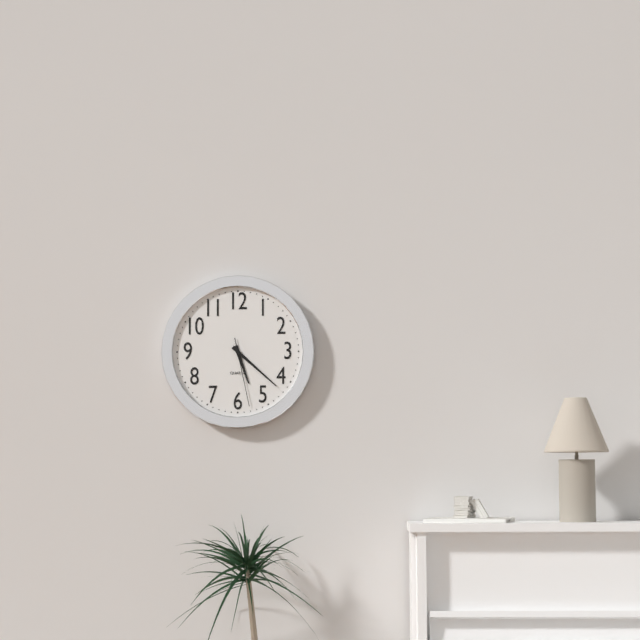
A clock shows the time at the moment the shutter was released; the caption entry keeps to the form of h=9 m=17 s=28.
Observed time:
h=5 m=22 s=28
